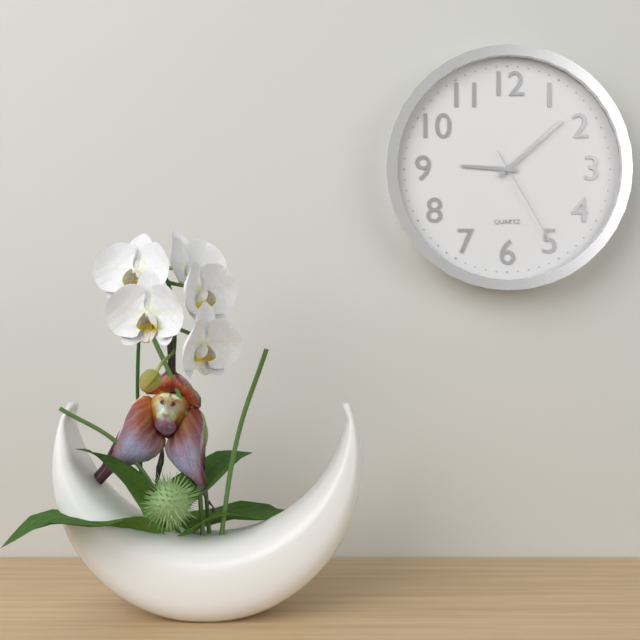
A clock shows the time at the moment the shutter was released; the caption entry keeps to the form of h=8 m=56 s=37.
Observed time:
h=9 m=8 s=25
